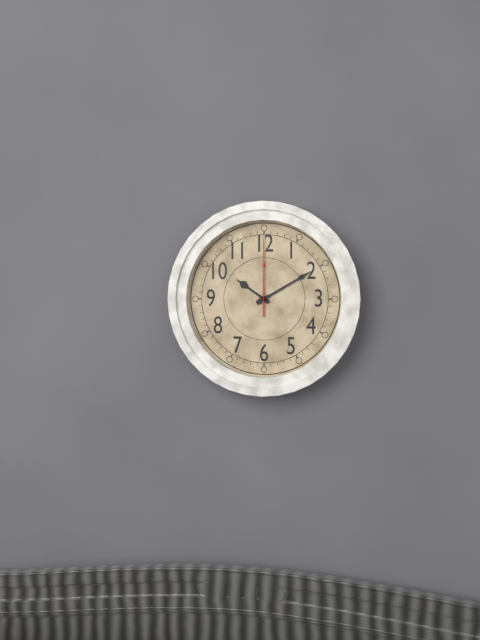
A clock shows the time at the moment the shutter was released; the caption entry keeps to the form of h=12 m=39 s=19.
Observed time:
h=10 m=10 s=0
